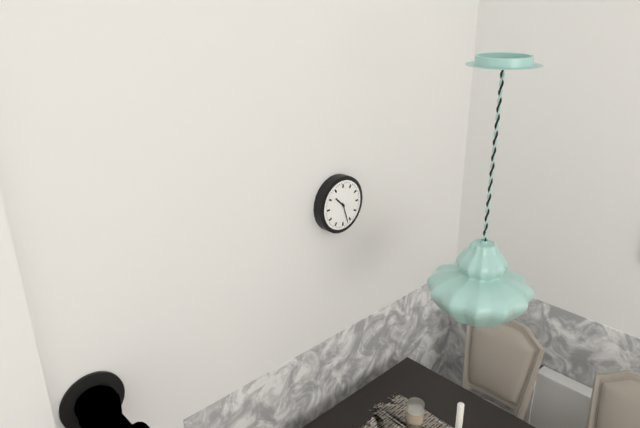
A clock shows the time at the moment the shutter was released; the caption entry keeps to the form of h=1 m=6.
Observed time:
h=10 m=27
